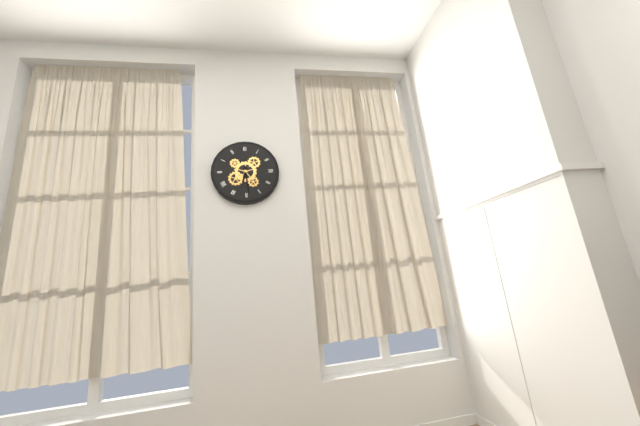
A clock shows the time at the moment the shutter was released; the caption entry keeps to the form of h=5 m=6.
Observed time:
h=6 m=29
